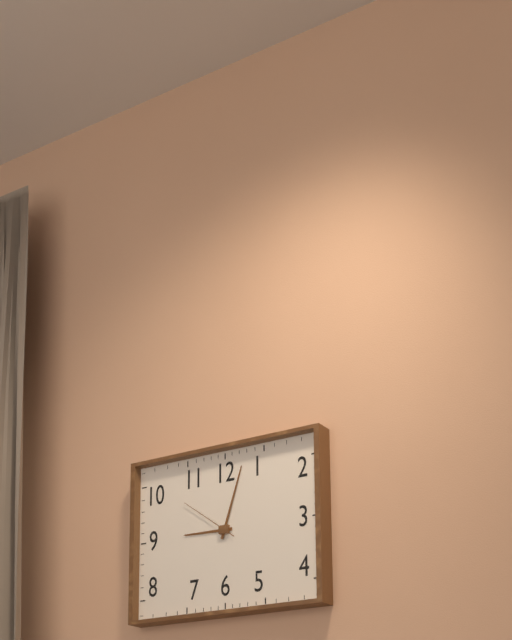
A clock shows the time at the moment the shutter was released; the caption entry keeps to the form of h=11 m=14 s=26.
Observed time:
h=9 m=3 s=51
